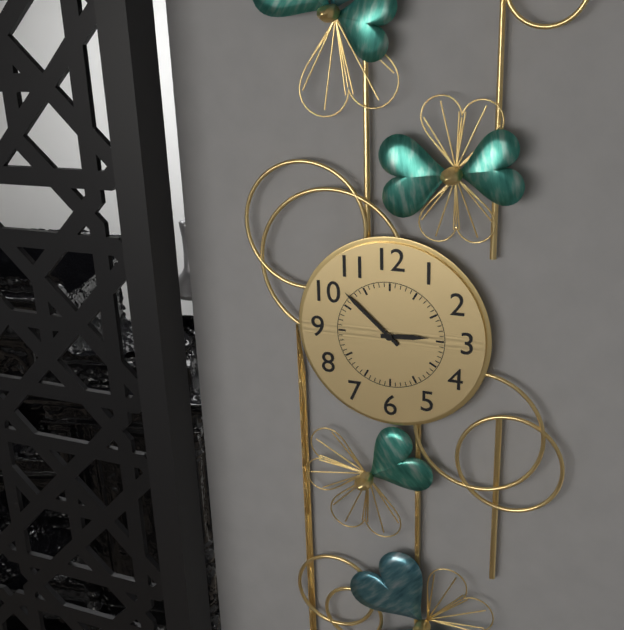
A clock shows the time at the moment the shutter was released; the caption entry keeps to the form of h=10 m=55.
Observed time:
h=2 m=52
